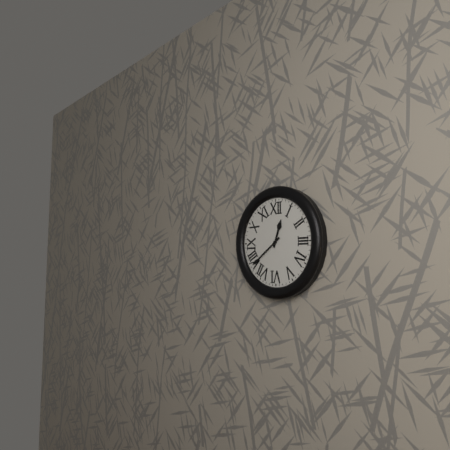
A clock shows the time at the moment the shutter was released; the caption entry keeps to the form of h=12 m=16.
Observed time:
h=12 m=39
